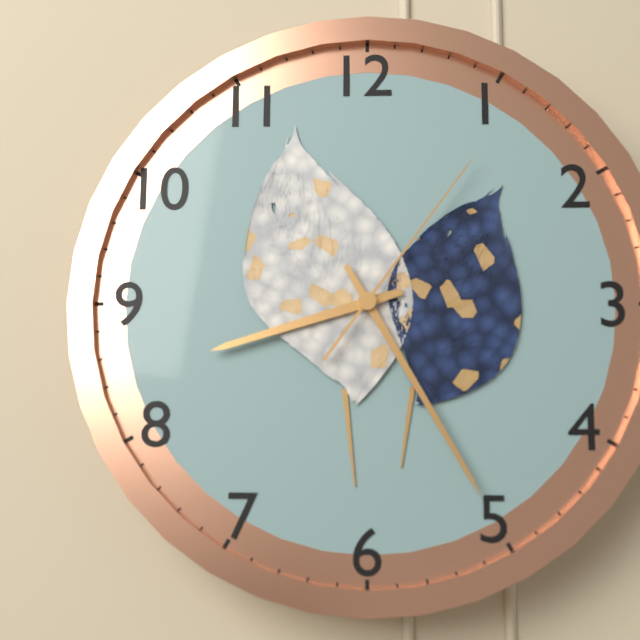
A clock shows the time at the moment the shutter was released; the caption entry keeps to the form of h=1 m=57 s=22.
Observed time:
h=8 m=25 s=6
